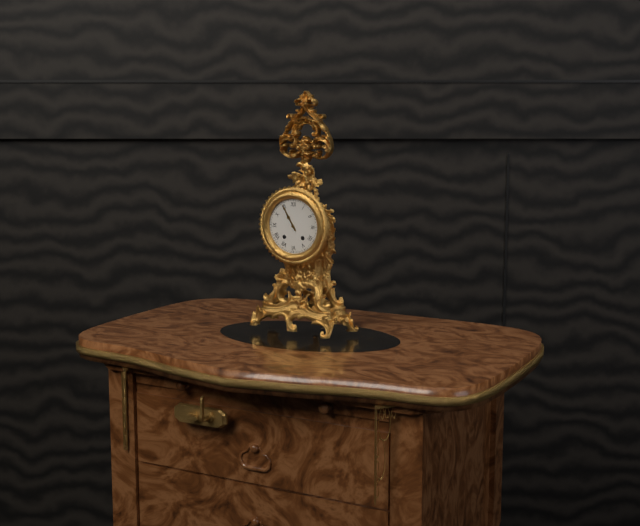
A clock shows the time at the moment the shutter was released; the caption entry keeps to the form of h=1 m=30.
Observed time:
h=10 m=55
